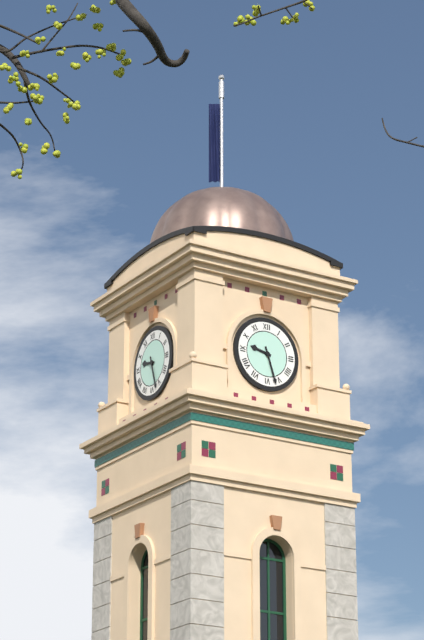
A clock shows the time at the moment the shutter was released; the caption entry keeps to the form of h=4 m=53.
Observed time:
h=9 m=27
